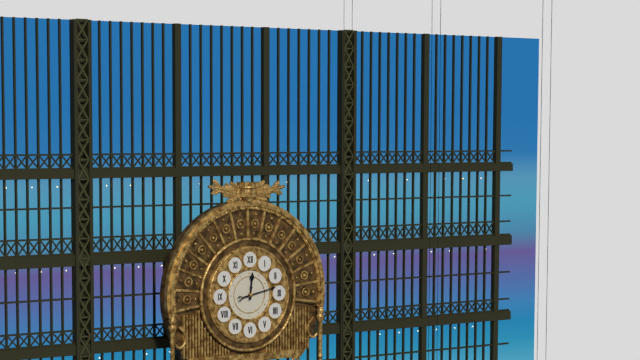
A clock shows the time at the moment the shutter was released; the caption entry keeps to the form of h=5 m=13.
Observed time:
h=12 m=13
